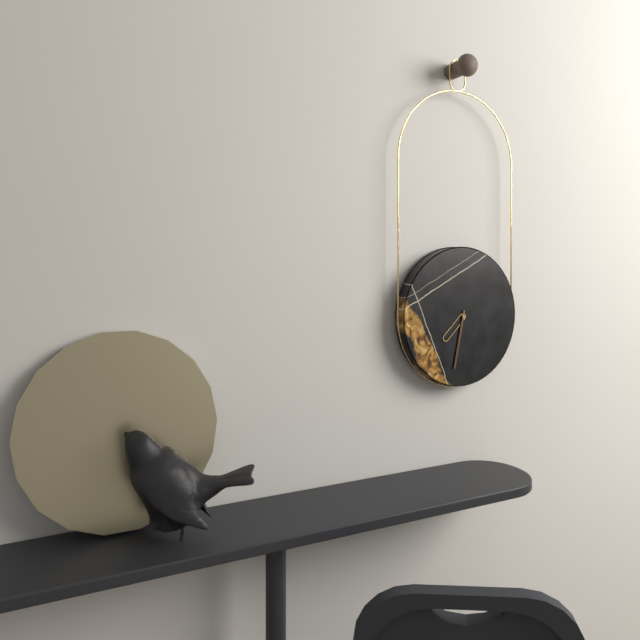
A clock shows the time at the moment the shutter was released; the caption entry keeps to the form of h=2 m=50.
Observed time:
h=7 m=32
